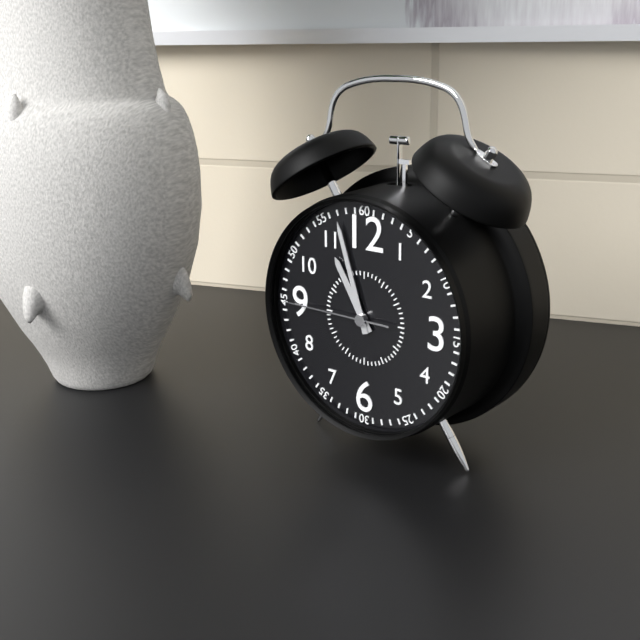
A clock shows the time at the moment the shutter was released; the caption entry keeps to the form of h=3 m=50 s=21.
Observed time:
h=10 m=57 s=45
